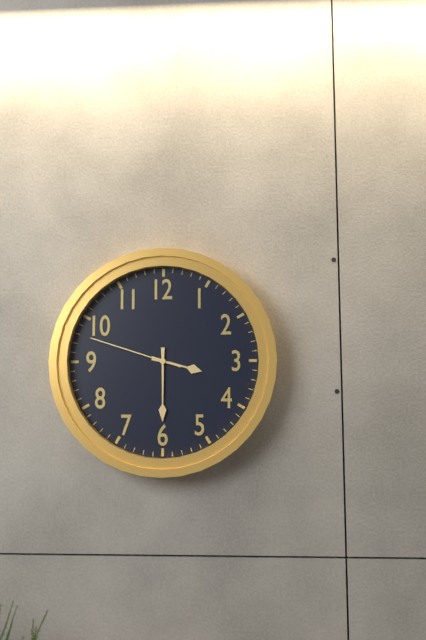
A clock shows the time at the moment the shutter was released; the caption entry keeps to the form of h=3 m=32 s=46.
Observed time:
h=3 m=30 s=48
